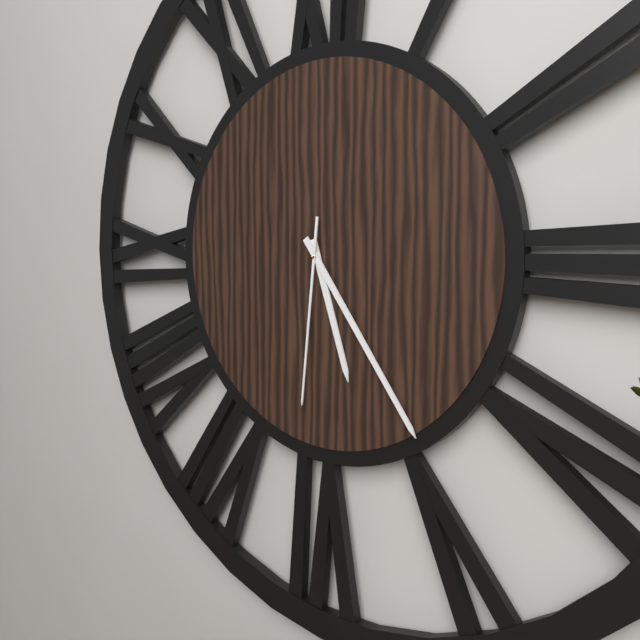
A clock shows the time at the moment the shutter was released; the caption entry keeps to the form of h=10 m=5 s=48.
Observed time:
h=5 m=24 s=31
